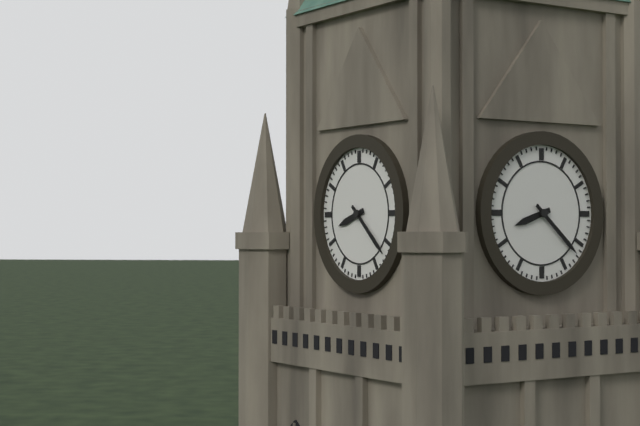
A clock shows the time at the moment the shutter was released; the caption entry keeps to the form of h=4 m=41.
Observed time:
h=8 m=22
